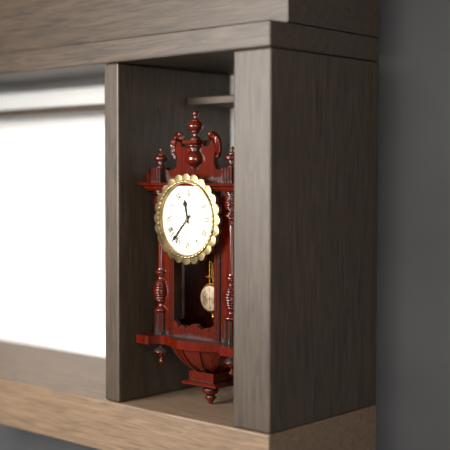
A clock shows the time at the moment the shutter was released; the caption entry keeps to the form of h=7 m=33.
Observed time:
h=11 m=37
